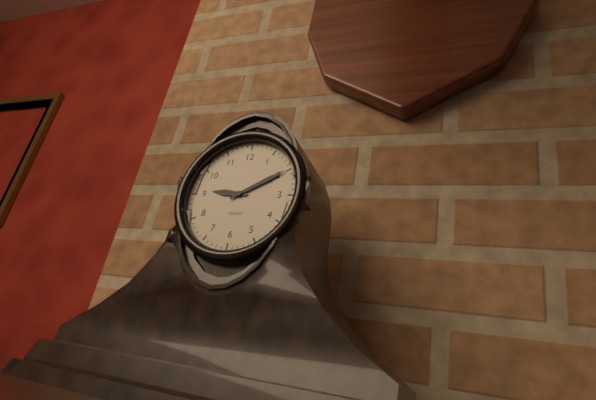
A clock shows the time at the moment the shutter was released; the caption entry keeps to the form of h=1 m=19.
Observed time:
h=9 m=10
